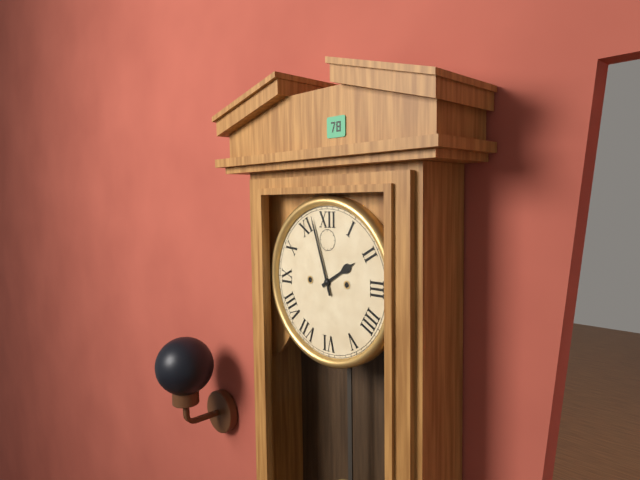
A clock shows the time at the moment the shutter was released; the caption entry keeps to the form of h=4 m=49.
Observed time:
h=1 m=57
